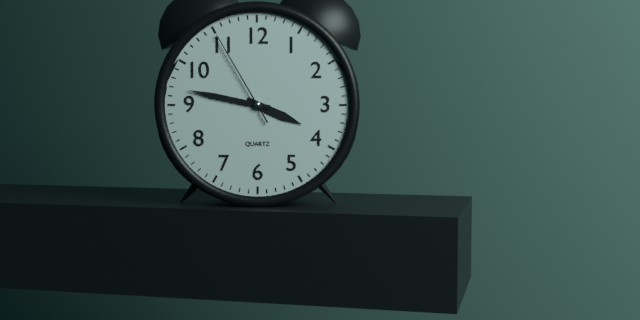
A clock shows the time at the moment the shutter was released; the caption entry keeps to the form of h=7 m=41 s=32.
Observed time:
h=3 m=47 s=55
